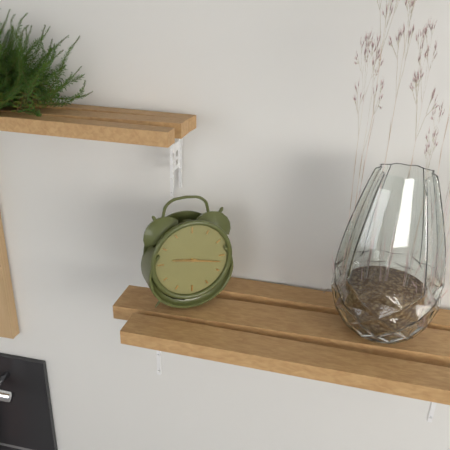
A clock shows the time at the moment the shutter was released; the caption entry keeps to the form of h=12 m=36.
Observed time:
h=9 m=17
